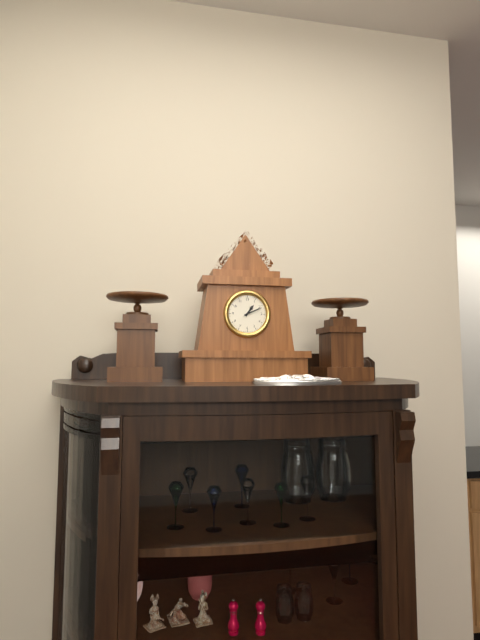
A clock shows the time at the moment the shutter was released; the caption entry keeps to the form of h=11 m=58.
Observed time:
h=1 m=11
